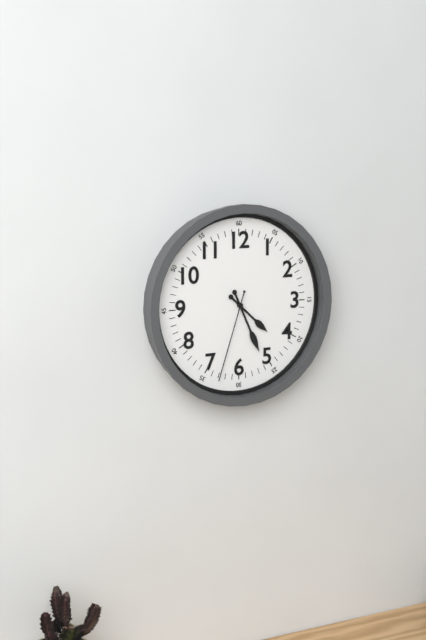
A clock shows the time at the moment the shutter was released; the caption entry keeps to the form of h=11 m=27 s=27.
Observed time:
h=4 m=26 s=33
